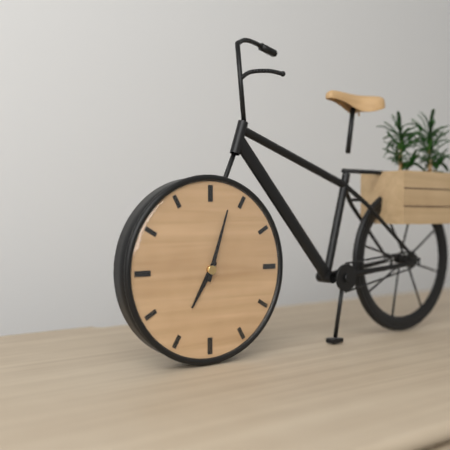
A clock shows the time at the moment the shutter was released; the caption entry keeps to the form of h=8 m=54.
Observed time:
h=7 m=3
